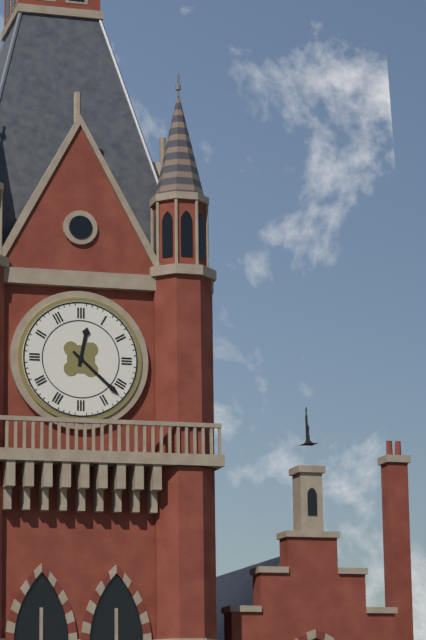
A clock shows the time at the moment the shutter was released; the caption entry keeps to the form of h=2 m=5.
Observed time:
h=12 m=22
